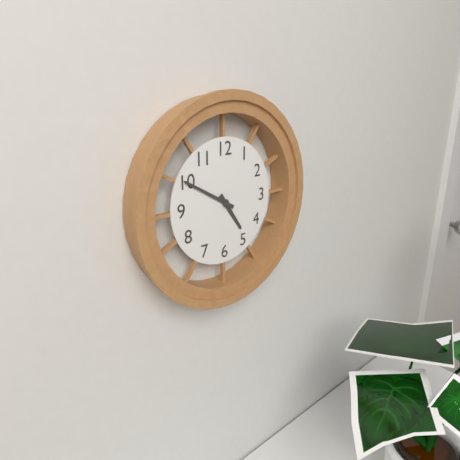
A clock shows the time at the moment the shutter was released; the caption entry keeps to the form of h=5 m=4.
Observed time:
h=4 m=50
